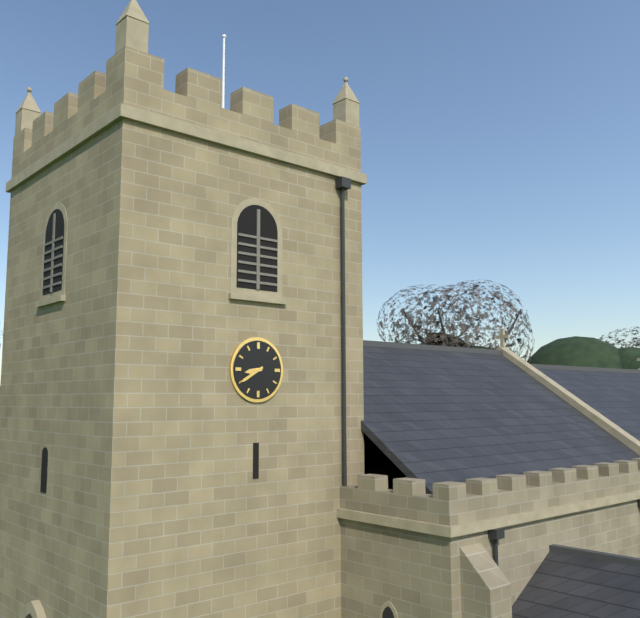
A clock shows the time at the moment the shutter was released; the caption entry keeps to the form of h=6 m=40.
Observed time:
h=8 m=40
